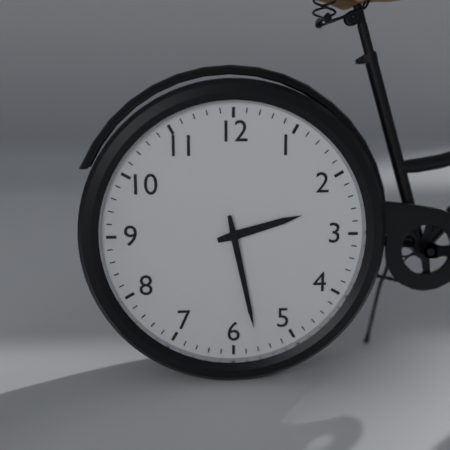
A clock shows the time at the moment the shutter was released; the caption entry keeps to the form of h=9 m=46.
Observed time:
h=2 m=28
